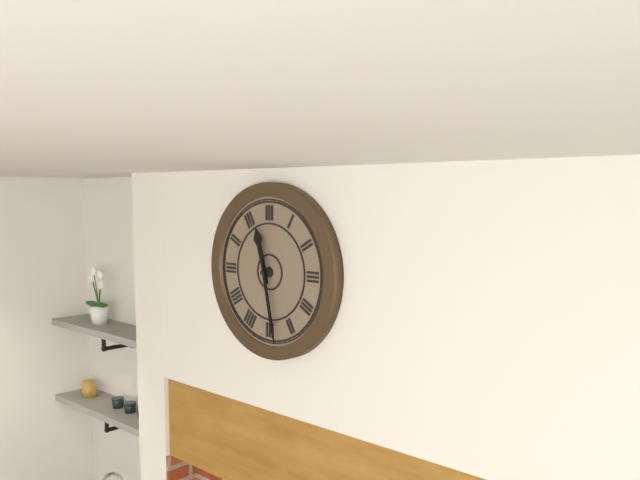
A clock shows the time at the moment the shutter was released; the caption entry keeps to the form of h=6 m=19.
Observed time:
h=11 m=28
